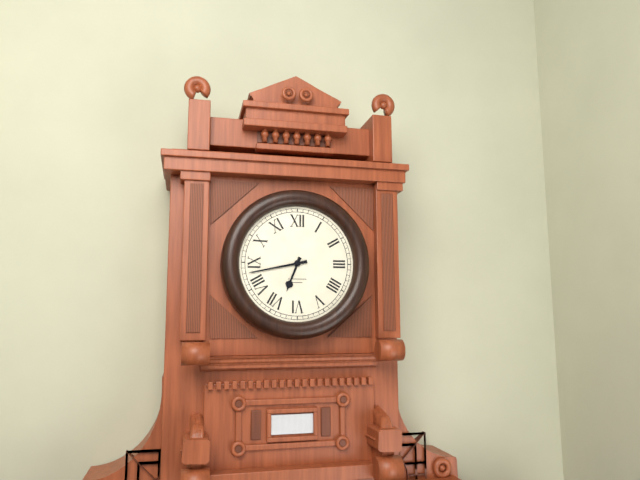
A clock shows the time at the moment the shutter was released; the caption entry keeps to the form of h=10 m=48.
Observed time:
h=6 m=43
